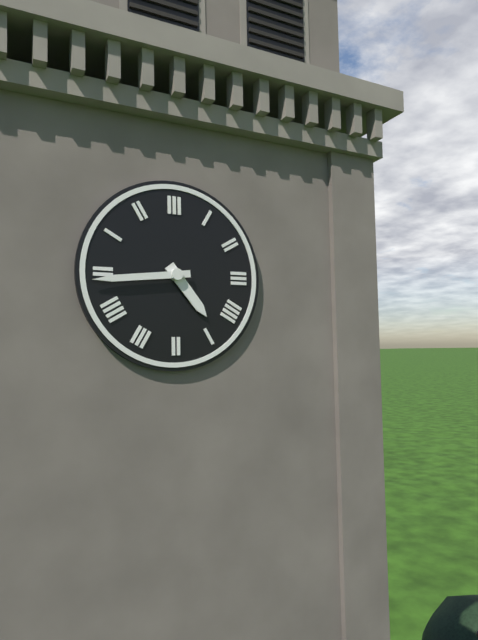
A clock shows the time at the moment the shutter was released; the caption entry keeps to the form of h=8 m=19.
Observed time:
h=4 m=44
